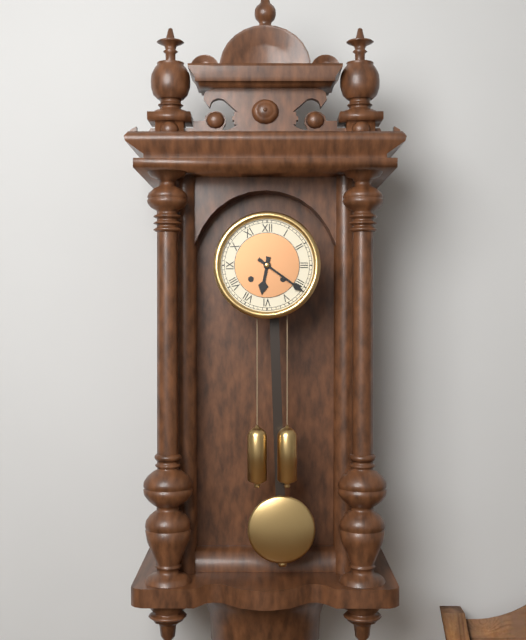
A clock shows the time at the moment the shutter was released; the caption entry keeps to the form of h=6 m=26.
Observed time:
h=6 m=21
